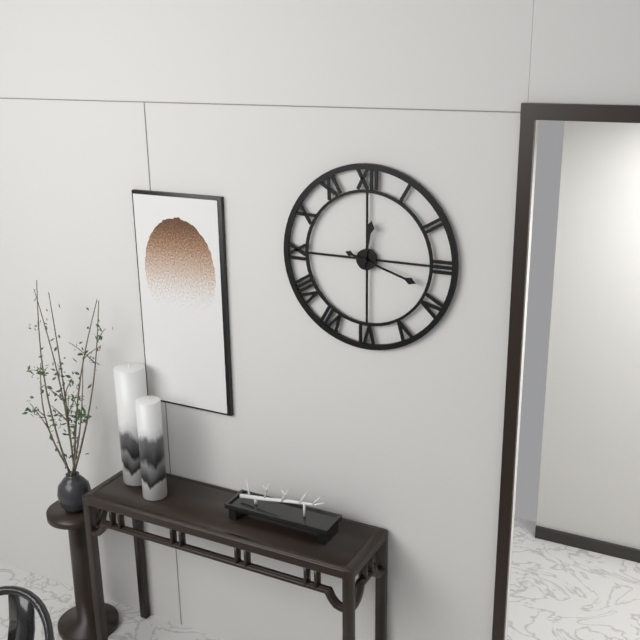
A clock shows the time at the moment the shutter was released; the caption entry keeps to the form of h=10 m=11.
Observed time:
h=12 m=18
